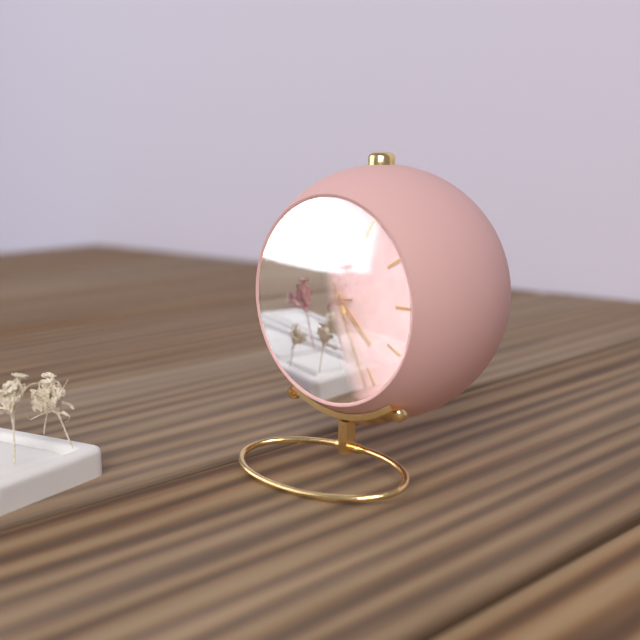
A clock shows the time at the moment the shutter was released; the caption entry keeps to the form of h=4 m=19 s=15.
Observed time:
h=4 m=26 s=44
